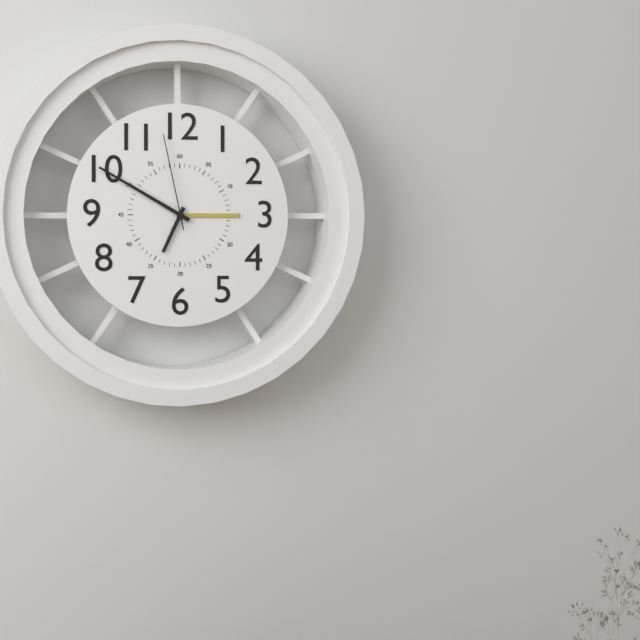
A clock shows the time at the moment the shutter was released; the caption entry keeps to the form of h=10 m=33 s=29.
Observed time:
h=6 m=50 s=58
